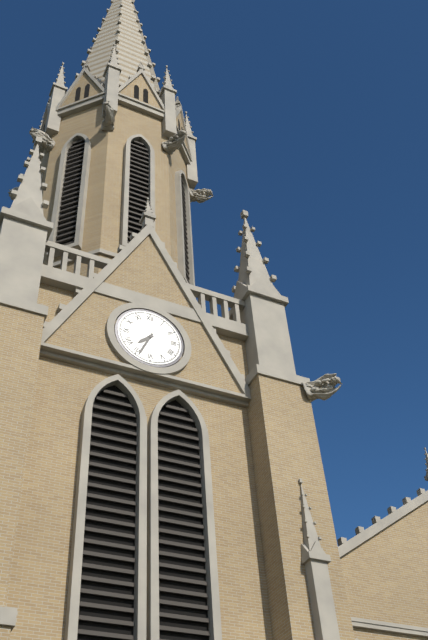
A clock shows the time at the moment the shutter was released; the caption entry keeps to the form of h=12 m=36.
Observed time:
h=7 m=34
